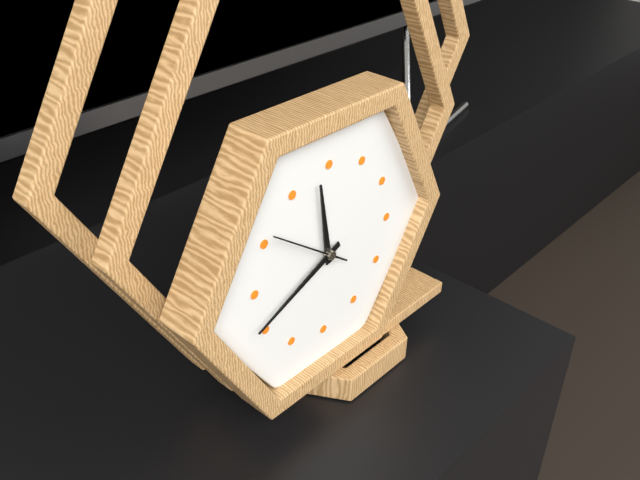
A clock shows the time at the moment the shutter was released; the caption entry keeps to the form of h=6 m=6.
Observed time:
h=11 m=41
